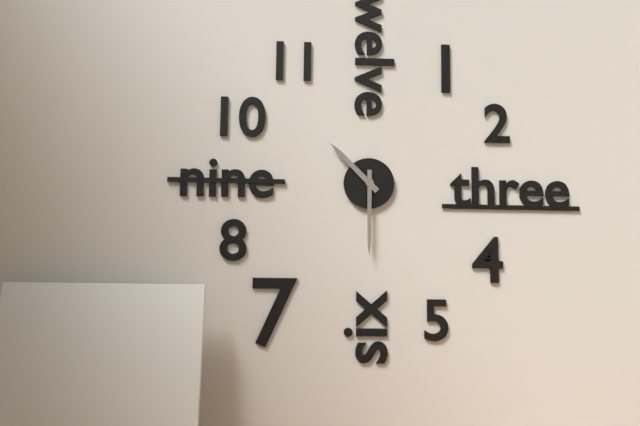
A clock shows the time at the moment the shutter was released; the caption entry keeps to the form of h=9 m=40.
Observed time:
h=10 m=30
